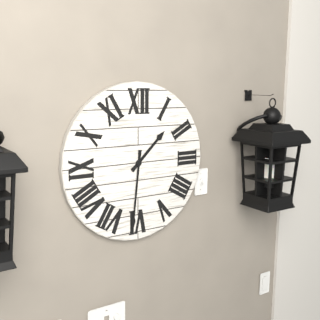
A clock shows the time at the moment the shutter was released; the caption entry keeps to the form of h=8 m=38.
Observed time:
h=1 m=31
